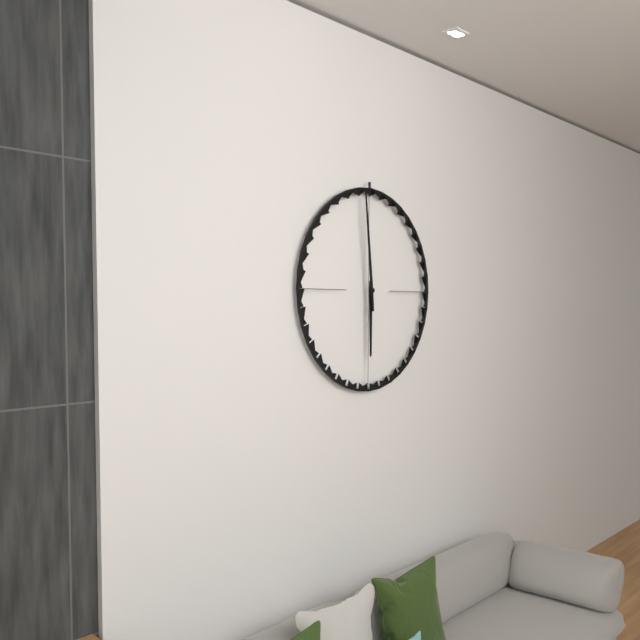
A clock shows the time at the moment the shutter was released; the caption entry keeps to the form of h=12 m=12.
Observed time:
h=5 m=59
